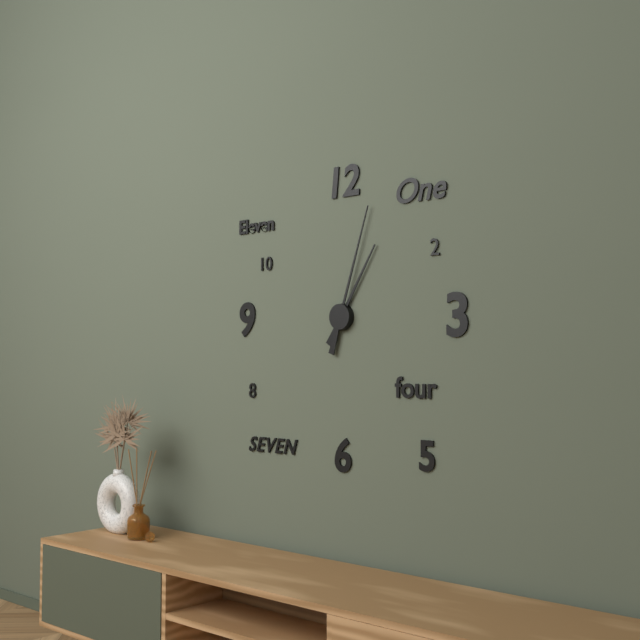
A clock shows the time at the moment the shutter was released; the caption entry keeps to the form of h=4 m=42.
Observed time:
h=1 m=3
